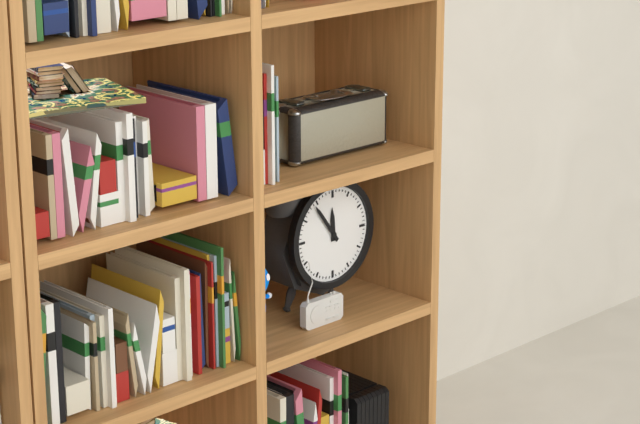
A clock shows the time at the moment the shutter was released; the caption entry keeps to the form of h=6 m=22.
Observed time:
h=11 m=54
